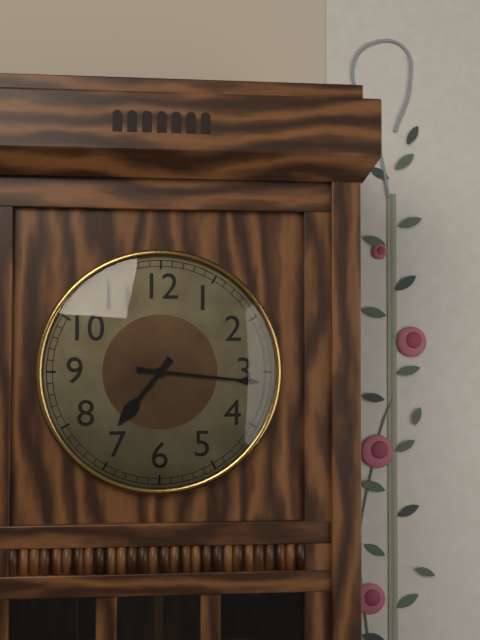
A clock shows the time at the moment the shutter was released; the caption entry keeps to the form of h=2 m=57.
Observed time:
h=7 m=16
